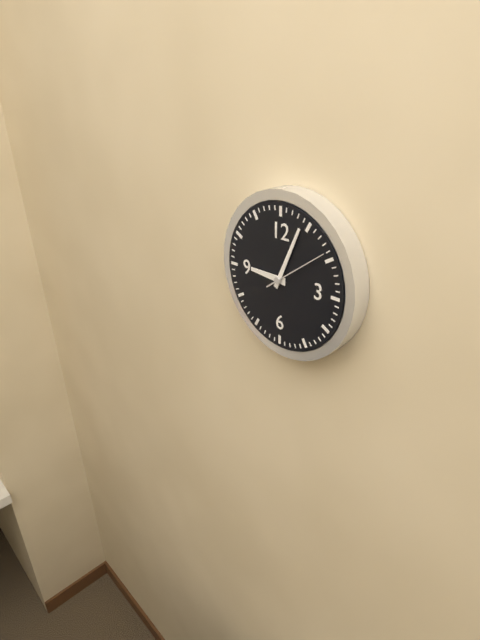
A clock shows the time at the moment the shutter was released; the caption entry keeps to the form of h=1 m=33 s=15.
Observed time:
h=9 m=4 s=9
